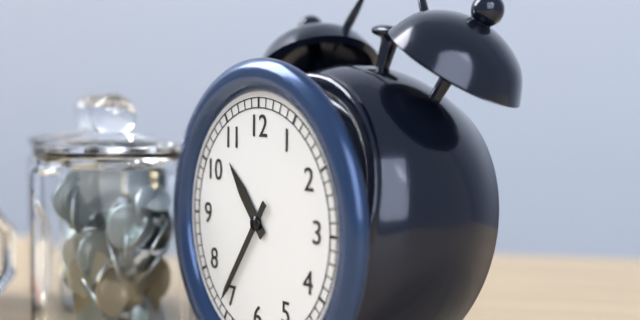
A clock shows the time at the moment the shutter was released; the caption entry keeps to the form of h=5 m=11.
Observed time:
h=10 m=36
